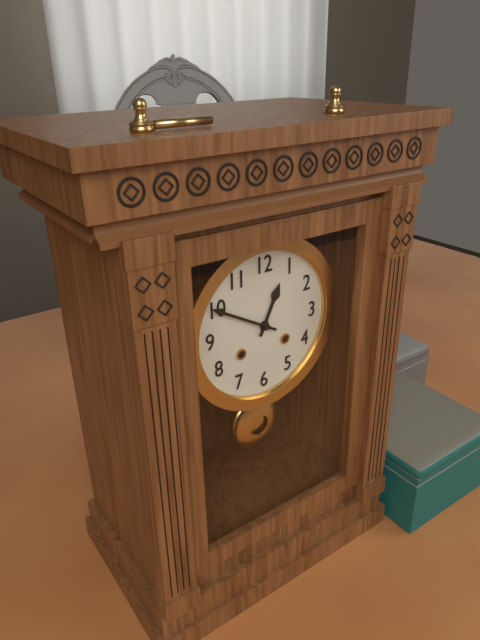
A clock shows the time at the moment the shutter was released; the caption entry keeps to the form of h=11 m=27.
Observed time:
h=12 m=50
